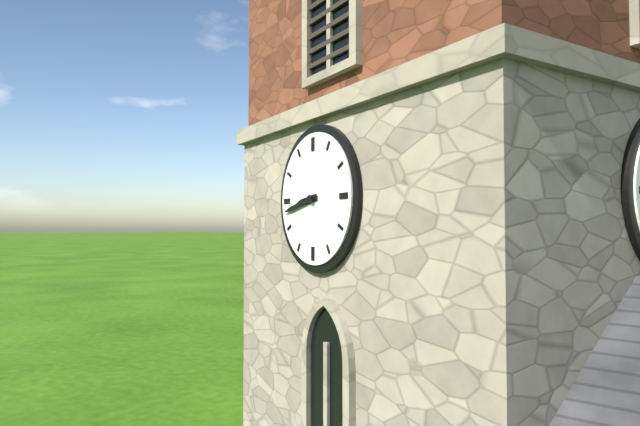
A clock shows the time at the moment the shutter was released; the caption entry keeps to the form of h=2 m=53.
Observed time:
h=8 m=43
